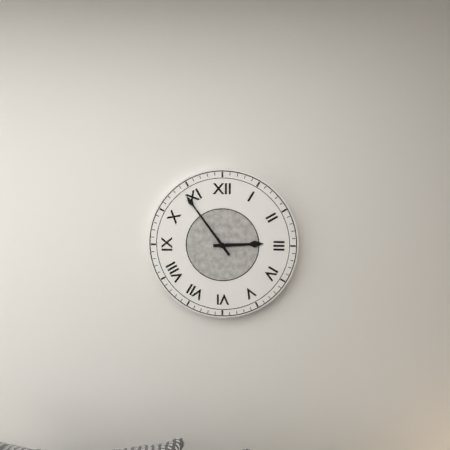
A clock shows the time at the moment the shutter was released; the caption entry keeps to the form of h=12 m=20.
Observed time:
h=2 m=54
